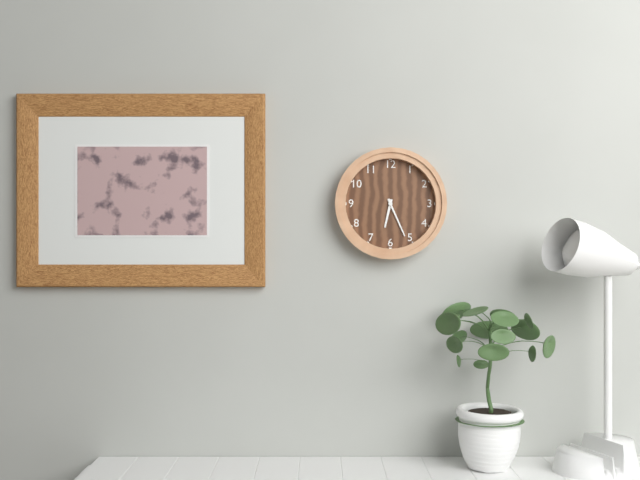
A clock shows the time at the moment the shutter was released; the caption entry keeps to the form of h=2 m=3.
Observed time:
h=6 m=26
